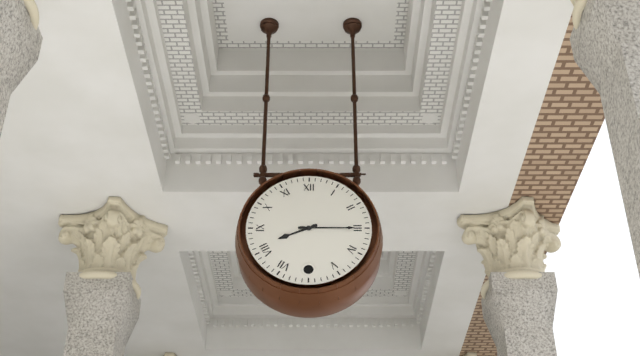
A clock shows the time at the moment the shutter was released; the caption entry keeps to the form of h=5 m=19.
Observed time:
h=8 m=15
